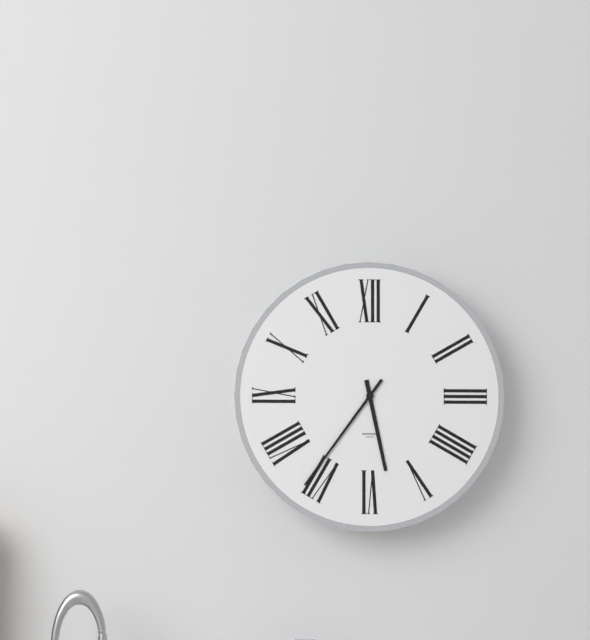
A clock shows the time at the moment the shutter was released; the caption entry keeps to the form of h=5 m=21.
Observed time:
h=5 m=36
